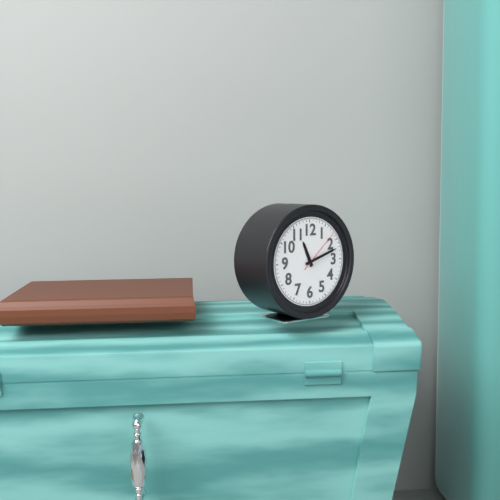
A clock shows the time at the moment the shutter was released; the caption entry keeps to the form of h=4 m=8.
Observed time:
h=11 m=12
